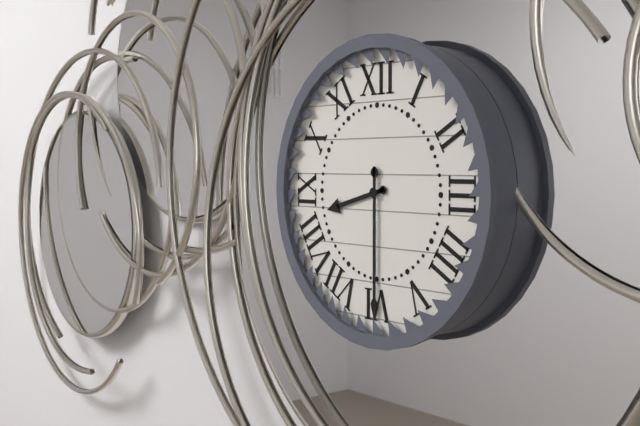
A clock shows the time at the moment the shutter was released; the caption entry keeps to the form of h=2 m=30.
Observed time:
h=8 m=30
